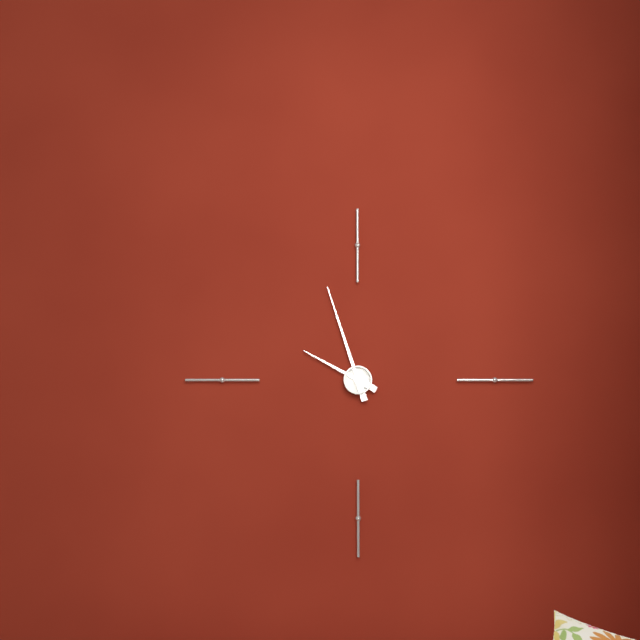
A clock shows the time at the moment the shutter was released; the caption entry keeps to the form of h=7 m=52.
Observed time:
h=9 m=57
